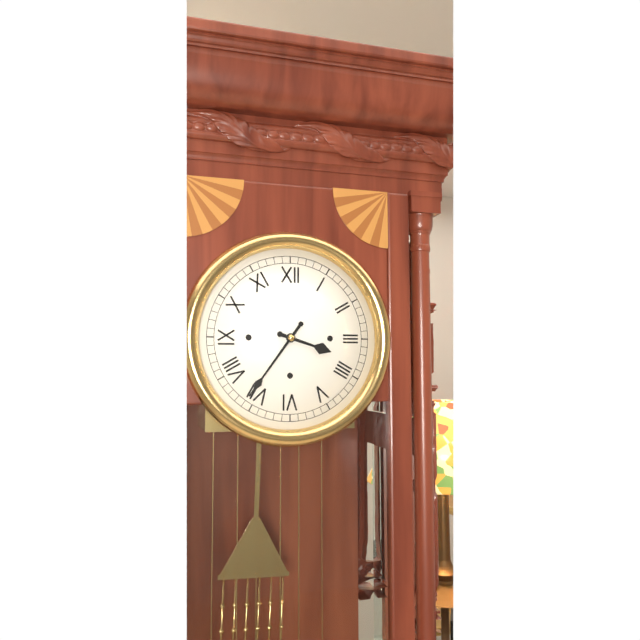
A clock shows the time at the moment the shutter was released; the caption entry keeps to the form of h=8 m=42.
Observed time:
h=3 m=36
